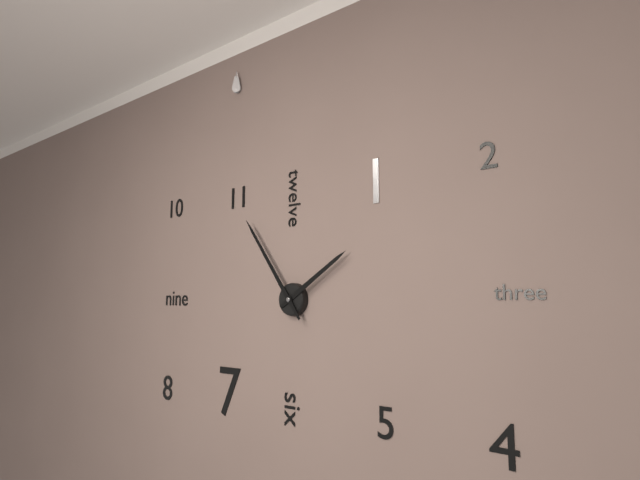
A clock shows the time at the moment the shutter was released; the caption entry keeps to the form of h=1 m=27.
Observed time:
h=1 m=54
